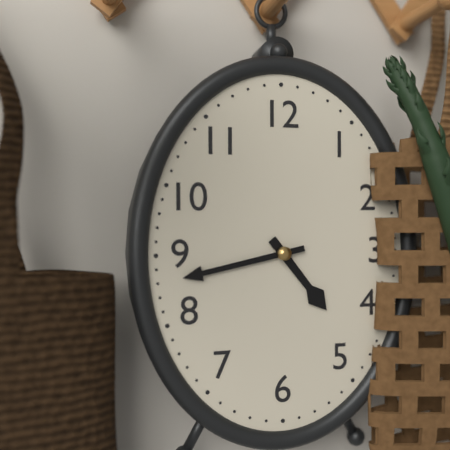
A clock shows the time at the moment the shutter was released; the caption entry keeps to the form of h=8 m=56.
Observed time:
h=4 m=43
